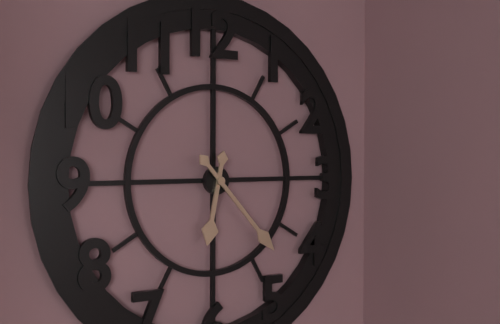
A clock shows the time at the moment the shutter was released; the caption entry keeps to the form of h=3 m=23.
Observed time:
h=6 m=23
